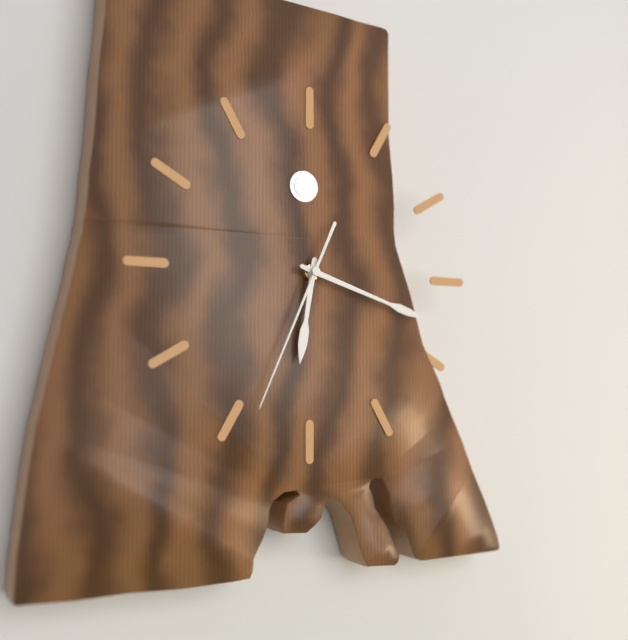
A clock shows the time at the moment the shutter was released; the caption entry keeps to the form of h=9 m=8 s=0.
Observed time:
h=6 m=18 s=34
